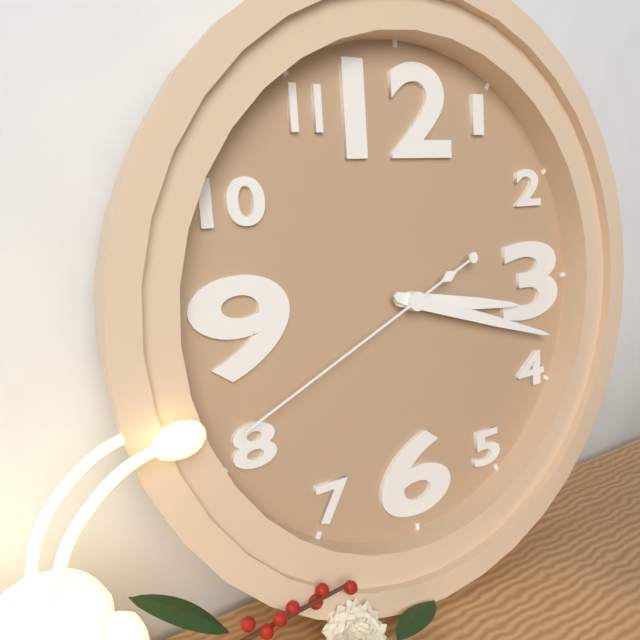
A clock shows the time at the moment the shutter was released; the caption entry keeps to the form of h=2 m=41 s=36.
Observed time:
h=3 m=18 s=41
